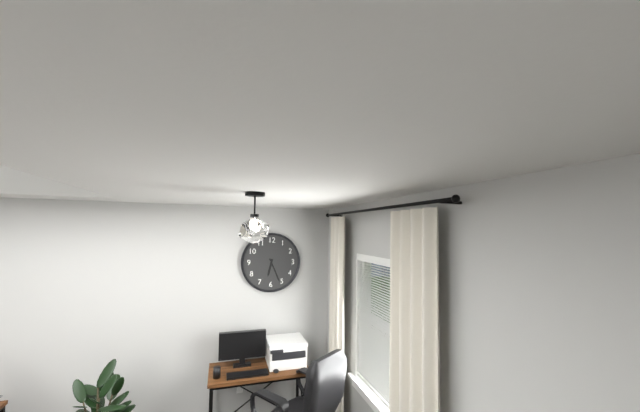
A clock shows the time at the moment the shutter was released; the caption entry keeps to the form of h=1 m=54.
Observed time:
h=6 m=26
